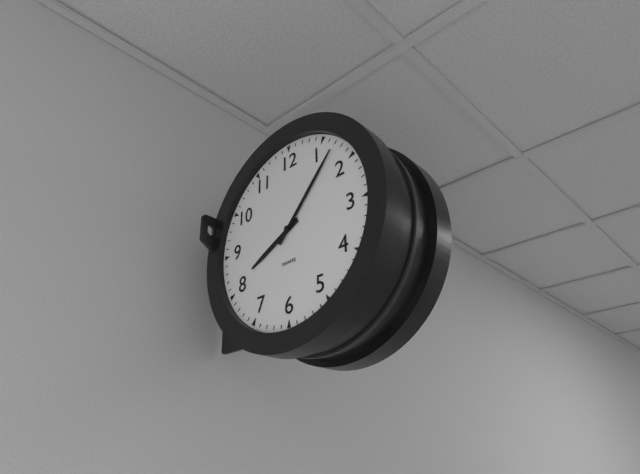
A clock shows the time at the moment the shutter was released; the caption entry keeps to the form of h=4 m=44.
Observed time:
h=8 m=7
